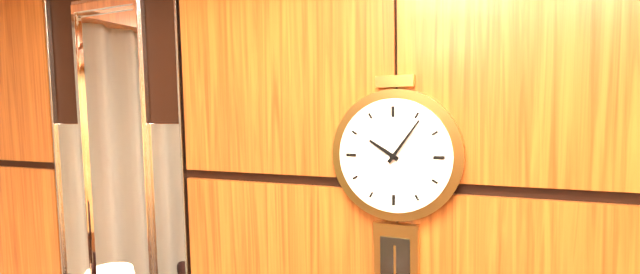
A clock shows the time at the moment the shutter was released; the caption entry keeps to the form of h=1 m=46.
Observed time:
h=10 m=6
